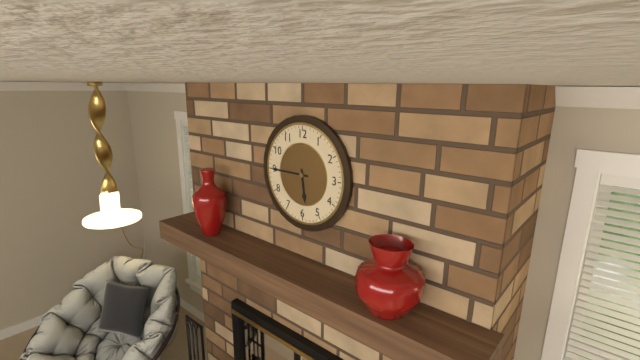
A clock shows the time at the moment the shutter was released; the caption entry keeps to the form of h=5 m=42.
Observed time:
h=5 m=45
